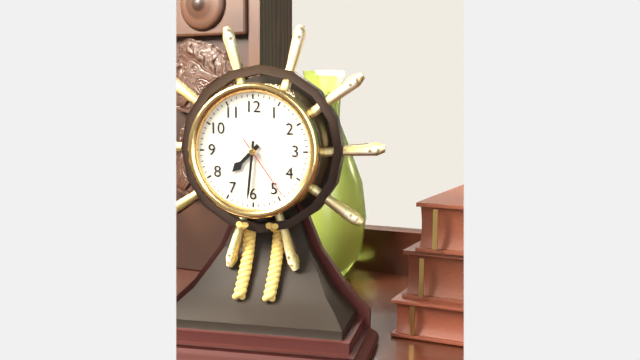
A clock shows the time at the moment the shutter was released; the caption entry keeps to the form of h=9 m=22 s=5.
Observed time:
h=7 m=31 s=24
